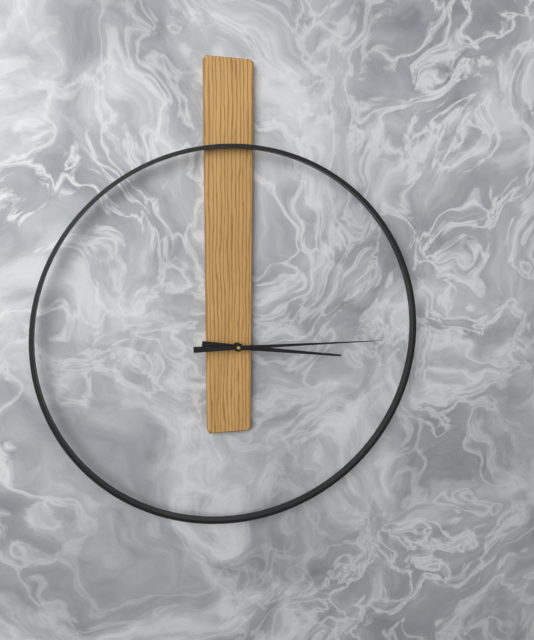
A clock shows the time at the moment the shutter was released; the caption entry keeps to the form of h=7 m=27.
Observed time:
h=3 m=15
